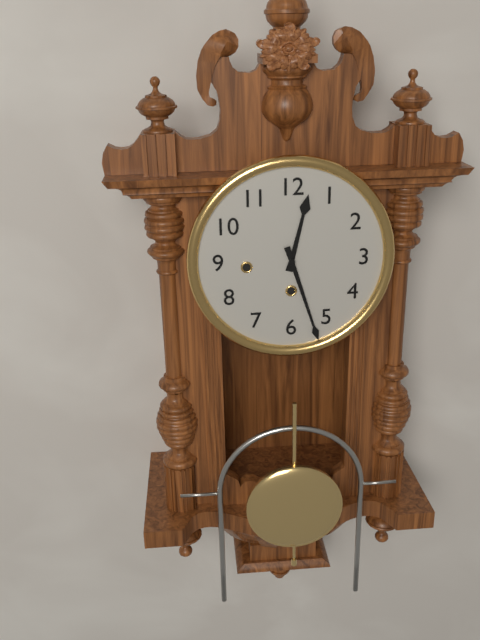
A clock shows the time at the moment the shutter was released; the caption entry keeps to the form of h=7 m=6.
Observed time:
h=12 m=27
